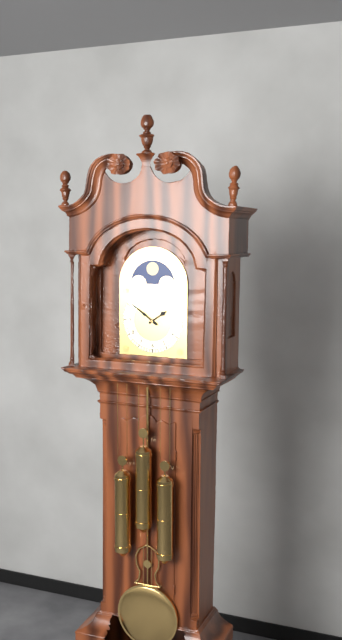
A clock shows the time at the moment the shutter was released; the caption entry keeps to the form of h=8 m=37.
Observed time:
h=1 m=51
